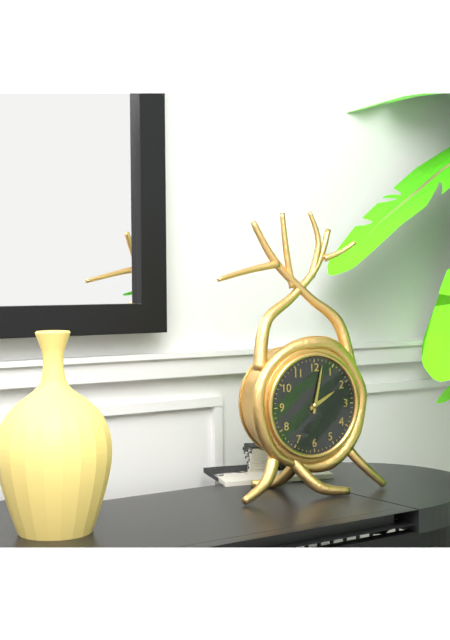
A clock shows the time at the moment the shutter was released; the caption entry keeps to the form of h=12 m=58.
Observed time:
h=2 m=2
